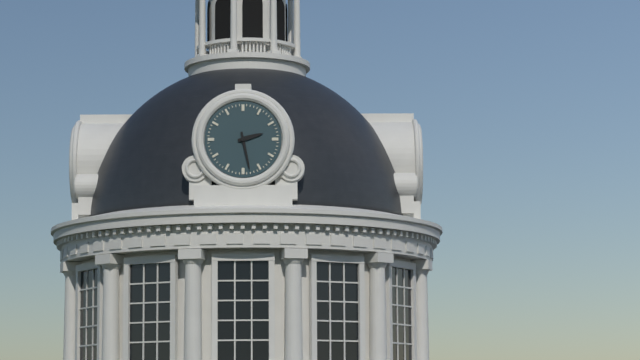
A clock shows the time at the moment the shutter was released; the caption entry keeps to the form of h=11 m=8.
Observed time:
h=2 m=28
